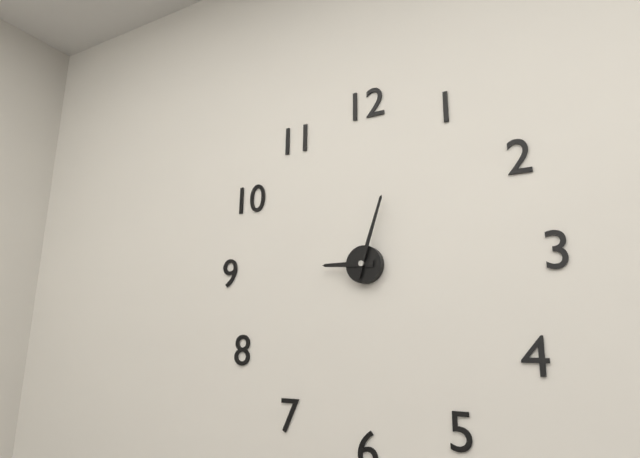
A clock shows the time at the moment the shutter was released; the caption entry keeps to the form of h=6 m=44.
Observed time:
h=9 m=3
